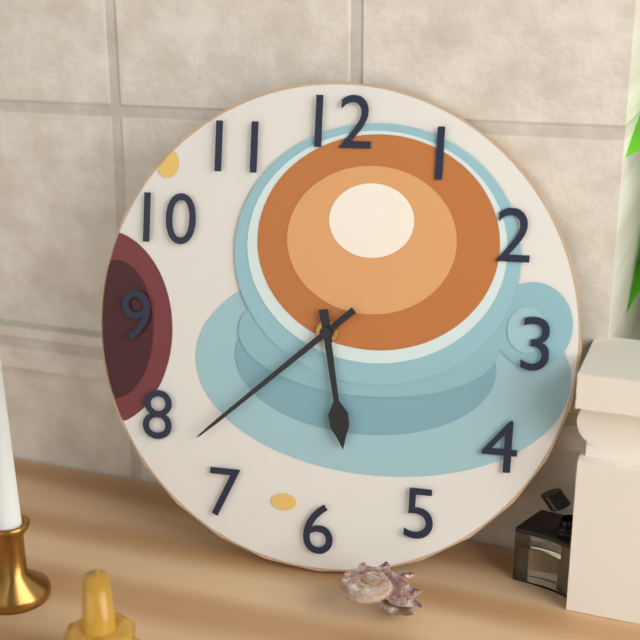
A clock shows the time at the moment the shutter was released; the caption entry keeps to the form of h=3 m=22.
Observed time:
h=5 m=38
